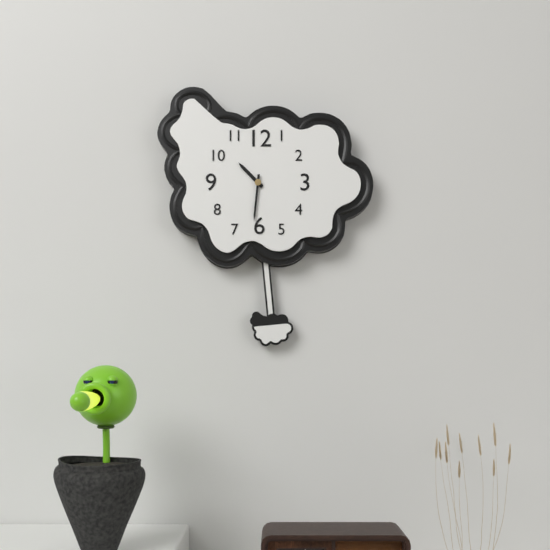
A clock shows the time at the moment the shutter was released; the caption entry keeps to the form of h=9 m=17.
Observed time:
h=10 m=31
